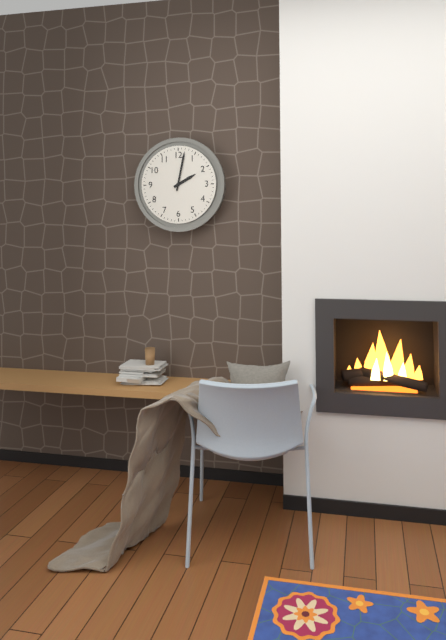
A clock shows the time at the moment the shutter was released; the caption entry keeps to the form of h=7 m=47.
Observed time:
h=2 m=2
